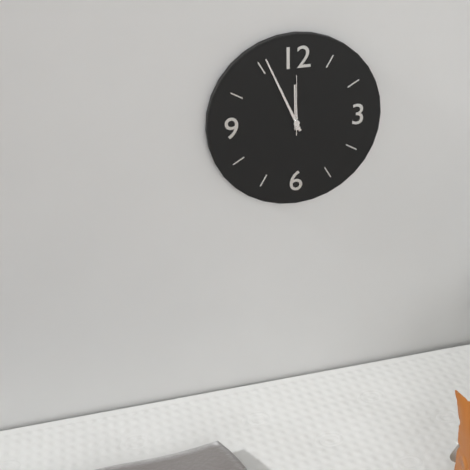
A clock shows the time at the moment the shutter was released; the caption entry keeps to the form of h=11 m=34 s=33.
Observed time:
h=11 m=56 s=0
